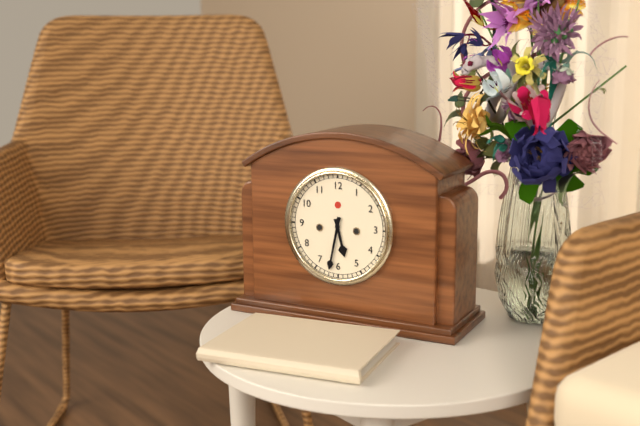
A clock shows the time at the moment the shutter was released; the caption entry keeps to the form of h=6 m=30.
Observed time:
h=5 m=32
